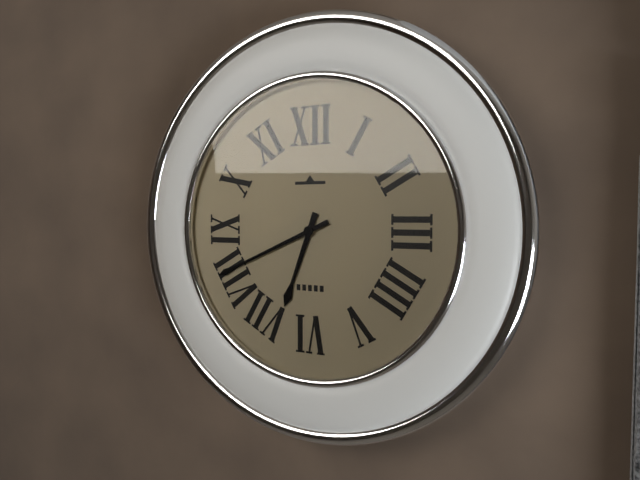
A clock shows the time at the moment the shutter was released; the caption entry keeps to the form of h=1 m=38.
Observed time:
h=6 m=41
